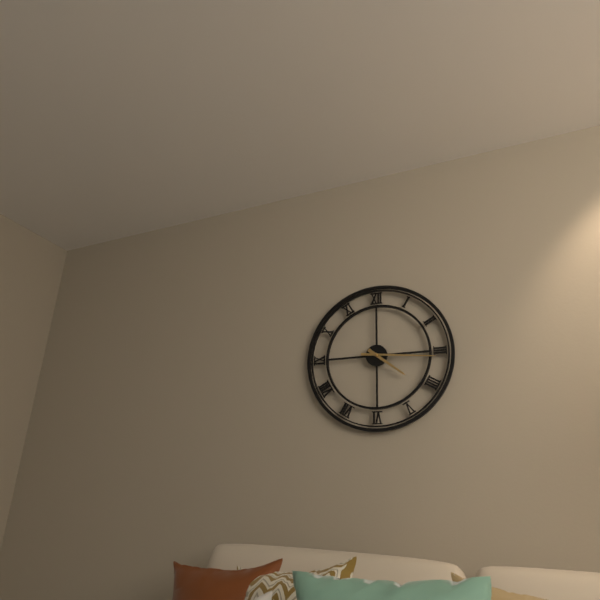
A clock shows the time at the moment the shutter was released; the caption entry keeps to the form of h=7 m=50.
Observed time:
h=4 m=16
